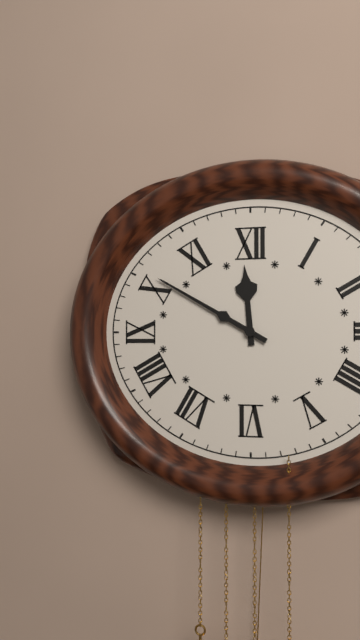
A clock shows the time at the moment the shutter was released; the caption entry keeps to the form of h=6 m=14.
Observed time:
h=11 m=50
